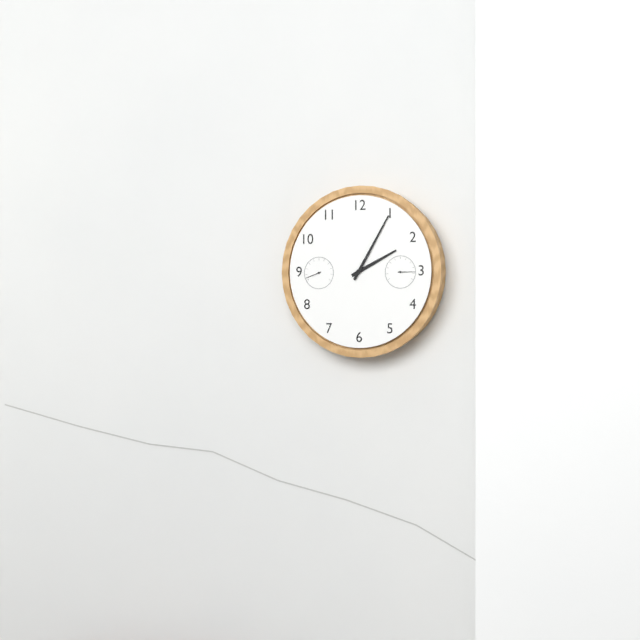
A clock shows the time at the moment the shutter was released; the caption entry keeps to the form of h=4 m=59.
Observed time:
h=2 m=5
